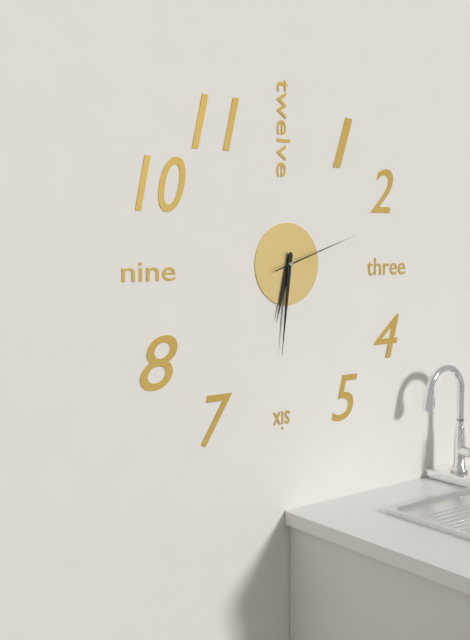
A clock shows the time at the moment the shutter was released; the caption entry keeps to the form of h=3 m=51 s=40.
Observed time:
h=6 m=31 s=12
